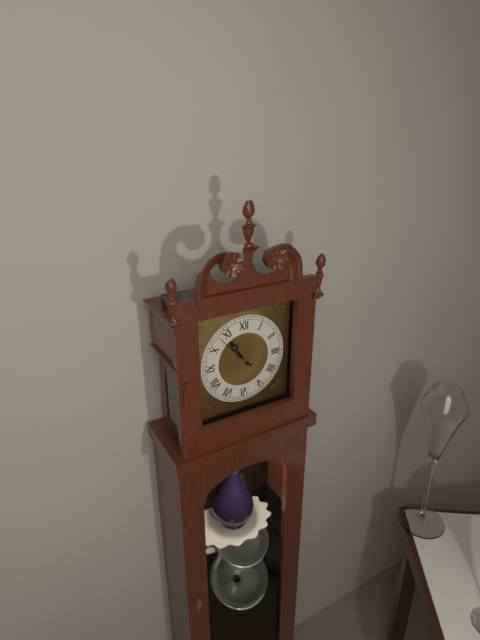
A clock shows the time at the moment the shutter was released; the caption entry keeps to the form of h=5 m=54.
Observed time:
h=10 m=53
